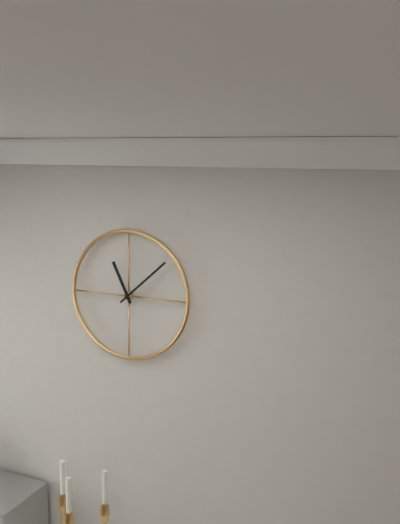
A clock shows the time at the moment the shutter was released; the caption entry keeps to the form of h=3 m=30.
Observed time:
h=11 m=8
